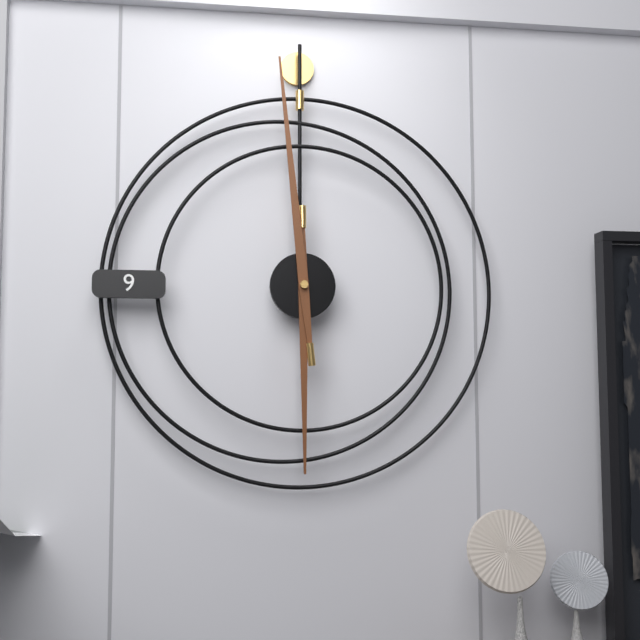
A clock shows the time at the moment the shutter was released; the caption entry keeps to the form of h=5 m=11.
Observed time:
h=5 m=59
